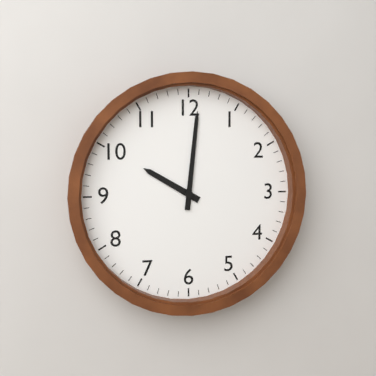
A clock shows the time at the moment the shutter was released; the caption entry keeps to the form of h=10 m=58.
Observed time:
h=10 m=1
